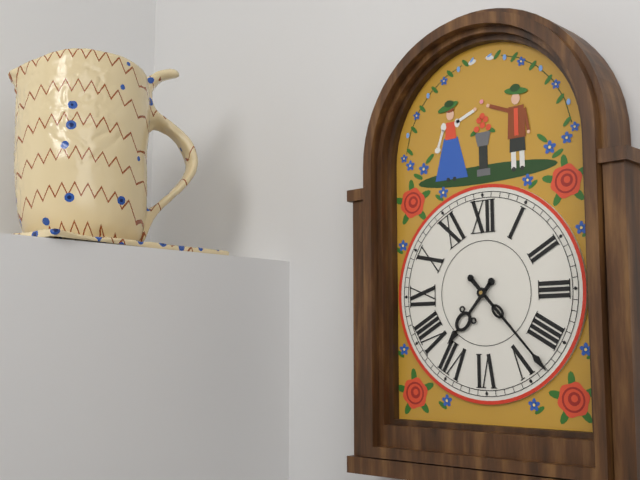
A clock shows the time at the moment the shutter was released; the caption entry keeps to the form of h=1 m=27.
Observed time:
h=7 m=23
